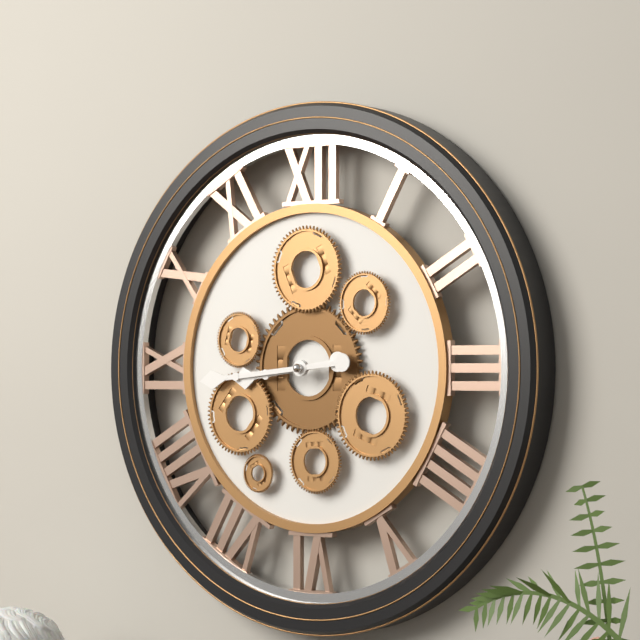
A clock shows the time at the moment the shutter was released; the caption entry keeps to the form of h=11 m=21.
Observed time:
h=8 m=44
